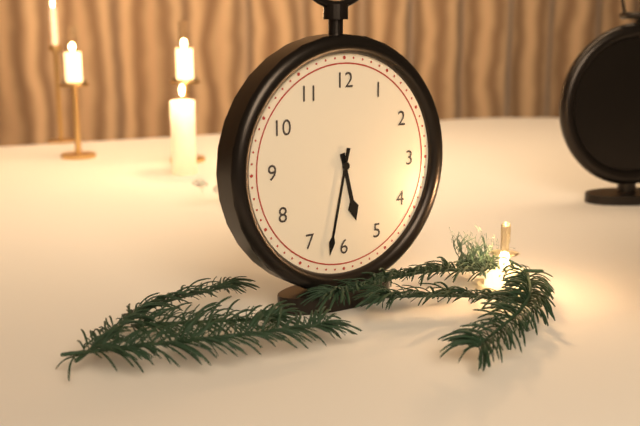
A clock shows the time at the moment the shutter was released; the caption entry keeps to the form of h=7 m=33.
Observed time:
h=5 m=32
